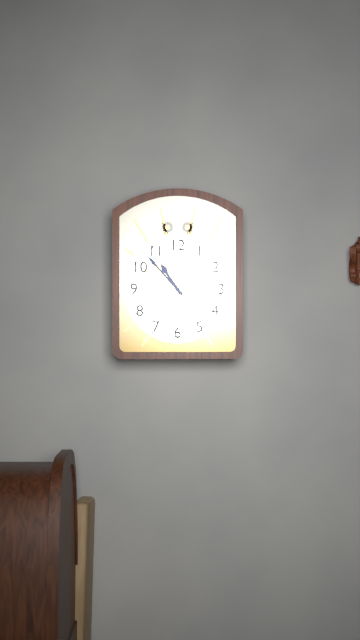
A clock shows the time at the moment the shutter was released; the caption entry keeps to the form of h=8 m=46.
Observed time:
h=10 m=53
